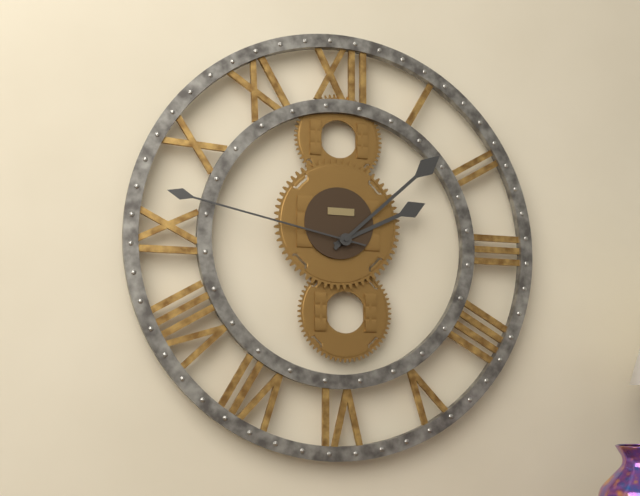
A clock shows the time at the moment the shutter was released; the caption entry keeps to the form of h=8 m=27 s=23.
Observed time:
h=2 m=8 s=47
